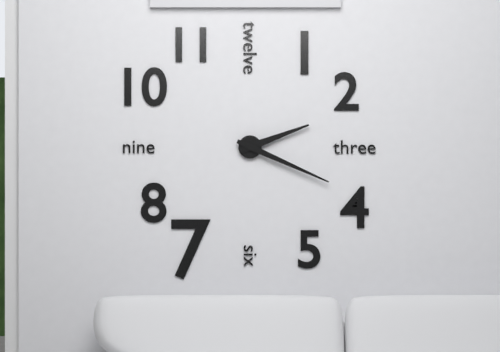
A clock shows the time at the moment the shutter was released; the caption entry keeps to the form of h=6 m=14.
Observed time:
h=2 m=19
